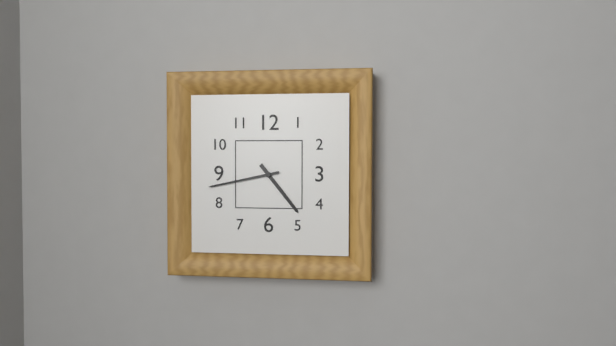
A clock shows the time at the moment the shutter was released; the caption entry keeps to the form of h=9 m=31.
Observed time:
h=4 m=43
